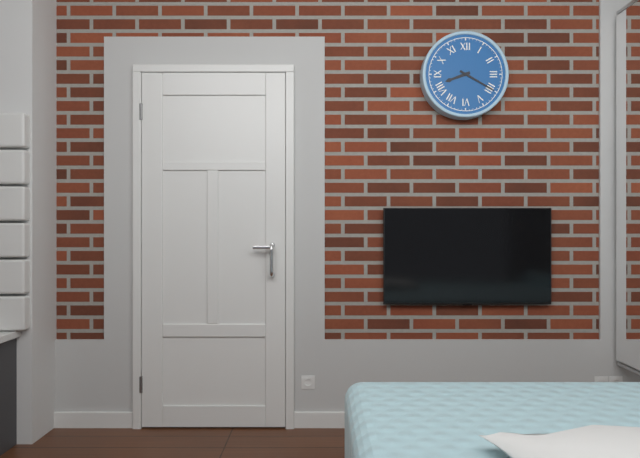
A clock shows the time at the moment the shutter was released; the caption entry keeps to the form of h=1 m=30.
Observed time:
h=8 m=20
